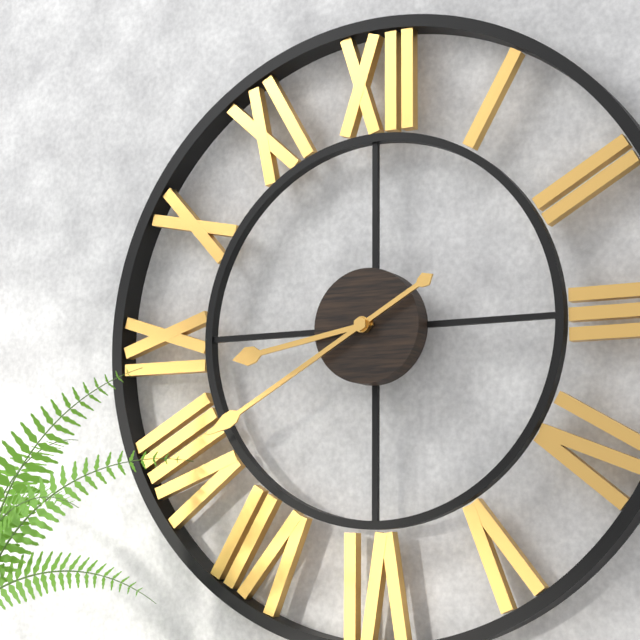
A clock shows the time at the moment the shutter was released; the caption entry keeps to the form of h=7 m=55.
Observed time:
h=8 m=40
